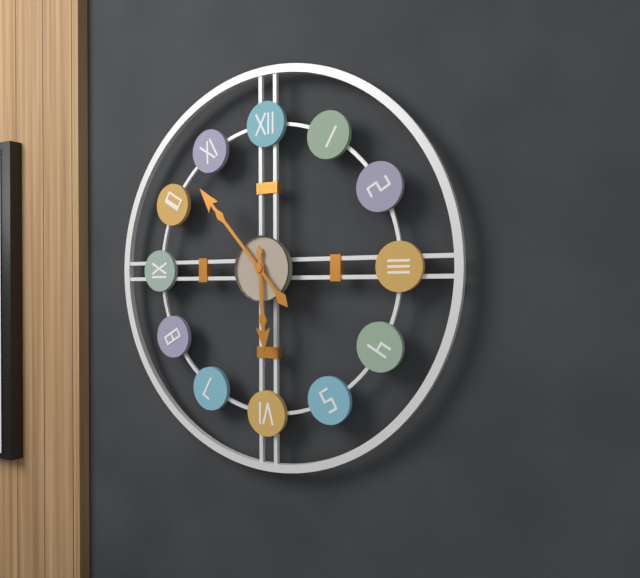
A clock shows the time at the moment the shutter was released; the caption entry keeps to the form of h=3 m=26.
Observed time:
h=5 m=53
